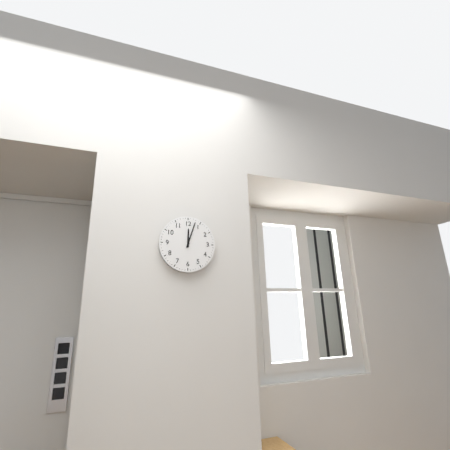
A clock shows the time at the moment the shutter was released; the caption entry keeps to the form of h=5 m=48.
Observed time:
h=12 m=3
